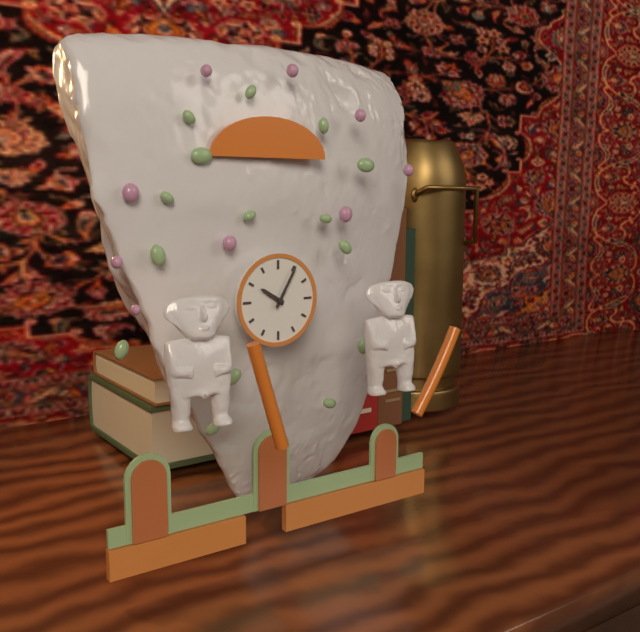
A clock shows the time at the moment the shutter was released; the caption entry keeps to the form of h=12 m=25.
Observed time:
h=10 m=5
